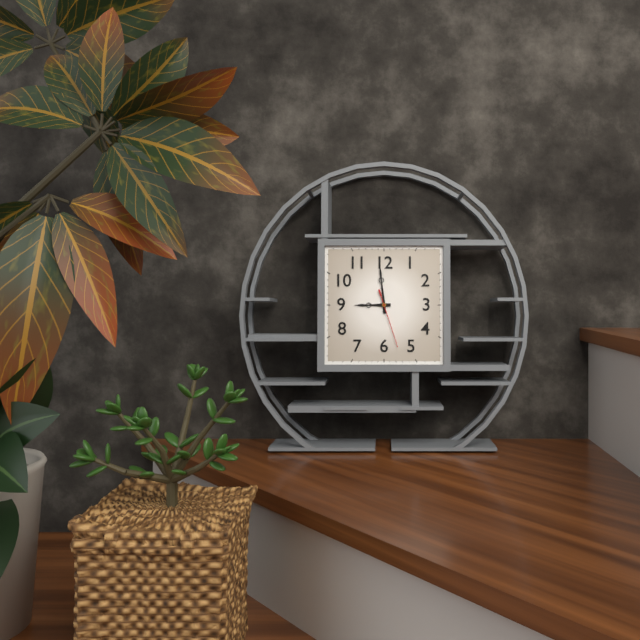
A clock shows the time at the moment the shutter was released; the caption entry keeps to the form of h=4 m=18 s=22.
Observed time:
h=8 m=59 s=27
